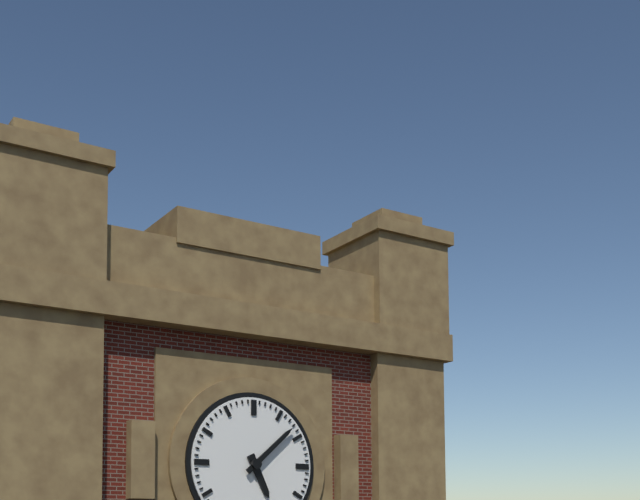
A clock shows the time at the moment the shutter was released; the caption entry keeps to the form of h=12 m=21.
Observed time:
h=5 m=8
